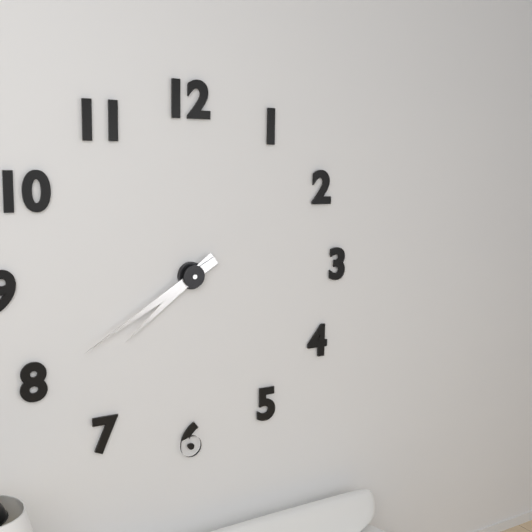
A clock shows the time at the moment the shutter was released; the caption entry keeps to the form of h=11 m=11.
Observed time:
h=7 m=40
